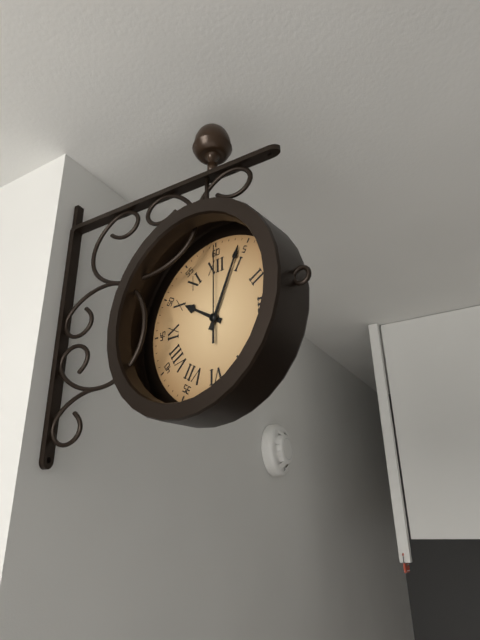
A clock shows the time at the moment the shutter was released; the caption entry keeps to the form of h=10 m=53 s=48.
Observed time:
h=10 m=4 s=0
